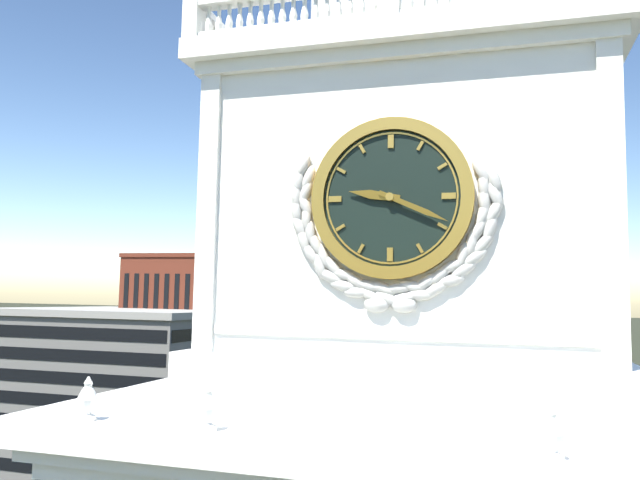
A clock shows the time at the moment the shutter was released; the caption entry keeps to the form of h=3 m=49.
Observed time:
h=9 m=19
